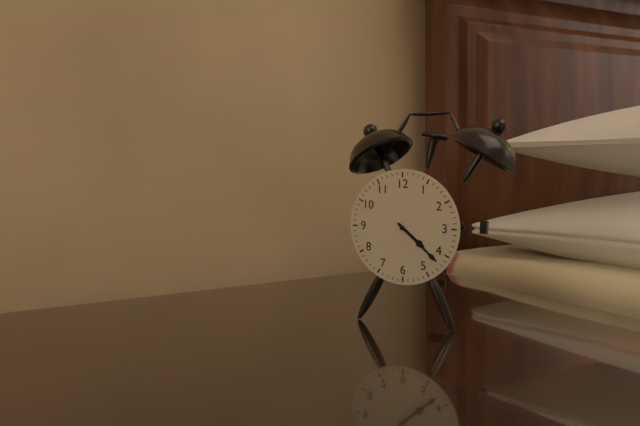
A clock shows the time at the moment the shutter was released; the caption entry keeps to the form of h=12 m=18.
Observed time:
h=4 m=22
